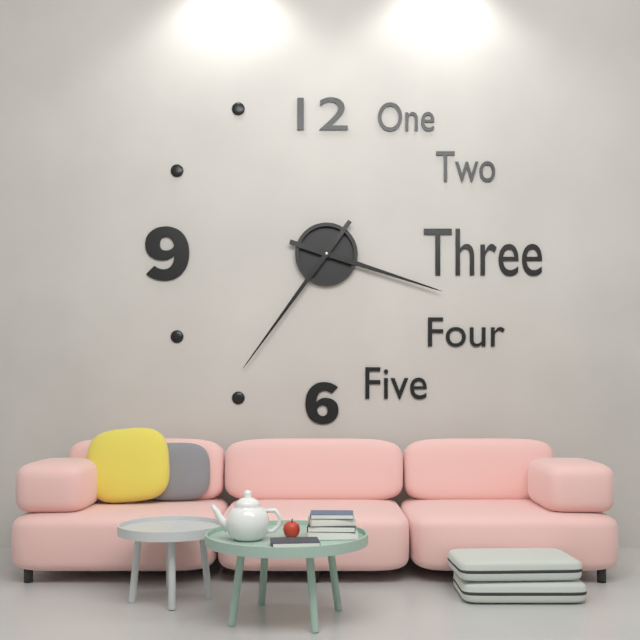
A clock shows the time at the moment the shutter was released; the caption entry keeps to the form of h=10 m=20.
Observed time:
h=3 m=36
